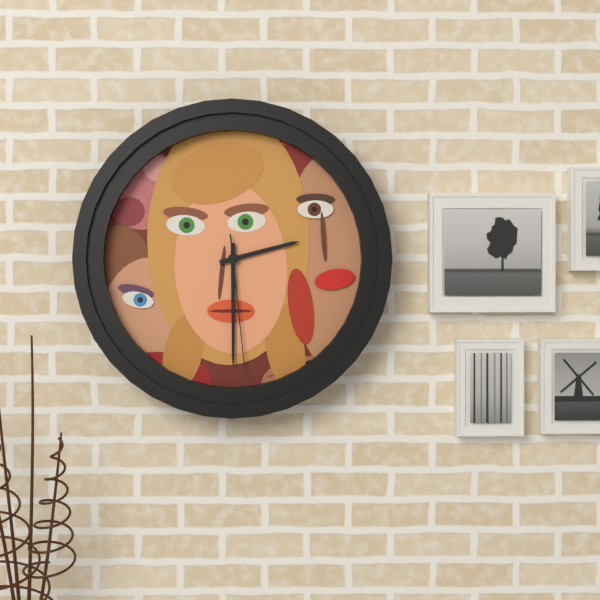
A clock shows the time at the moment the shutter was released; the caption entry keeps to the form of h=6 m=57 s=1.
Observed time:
h=2 m=30 s=29
